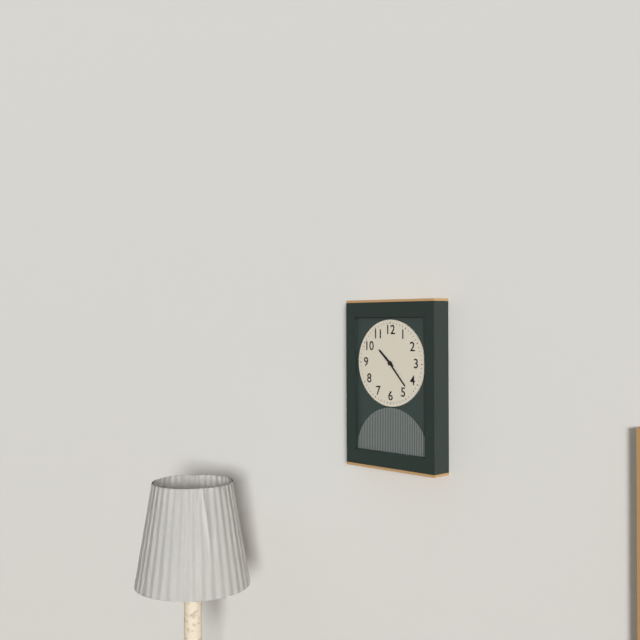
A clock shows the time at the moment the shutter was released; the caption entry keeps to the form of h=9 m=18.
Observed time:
h=10 m=23
